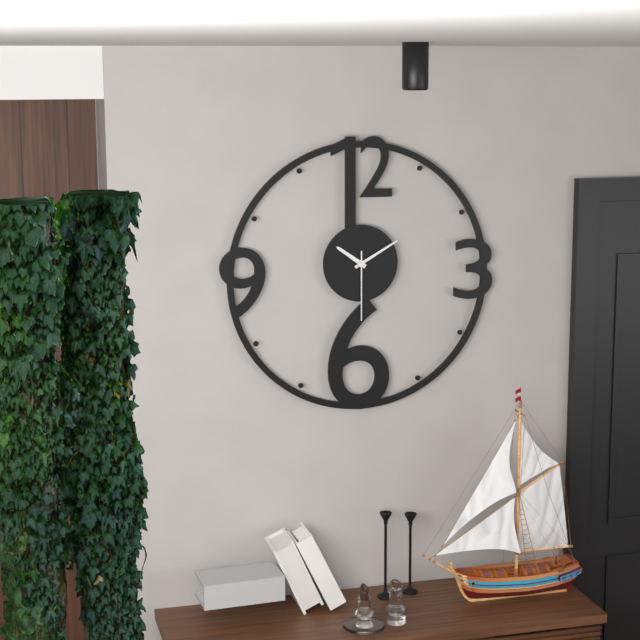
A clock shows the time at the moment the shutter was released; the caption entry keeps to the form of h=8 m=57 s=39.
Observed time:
h=10 m=10 s=30
